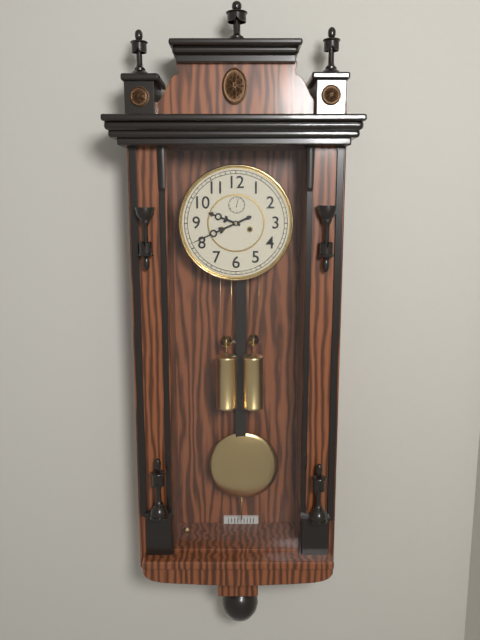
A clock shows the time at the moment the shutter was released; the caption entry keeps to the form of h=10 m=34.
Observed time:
h=9 m=41
